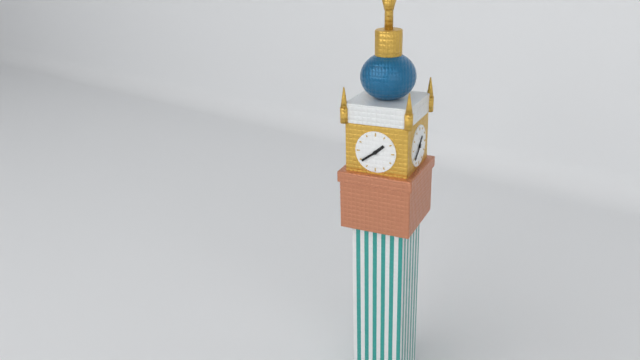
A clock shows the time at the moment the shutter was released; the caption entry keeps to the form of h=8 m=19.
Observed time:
h=1 m=39
